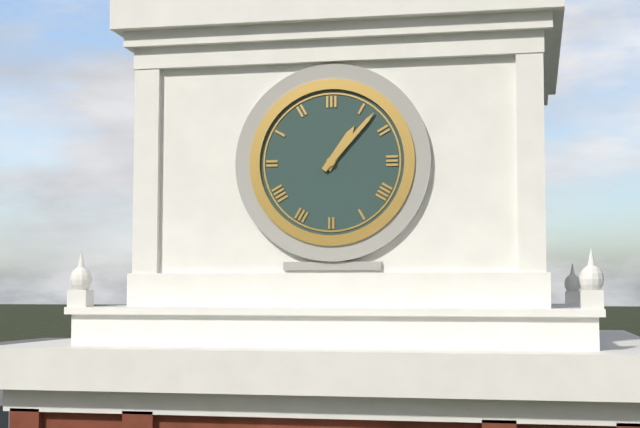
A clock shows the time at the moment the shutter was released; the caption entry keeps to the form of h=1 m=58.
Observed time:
h=1 m=7
